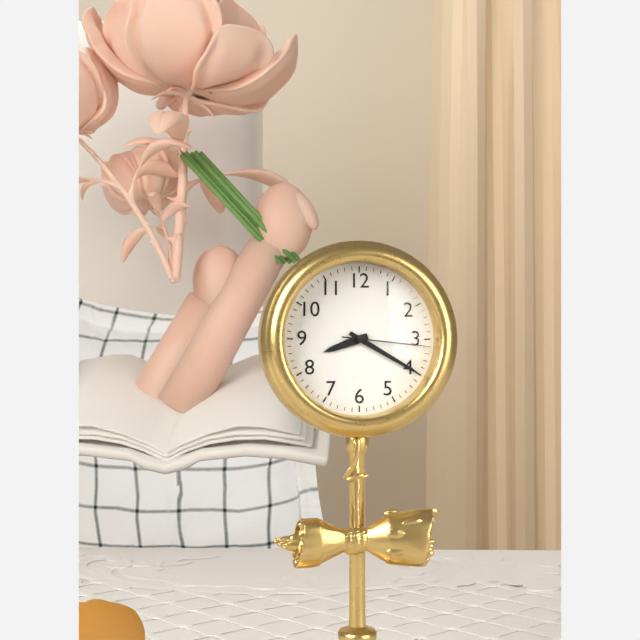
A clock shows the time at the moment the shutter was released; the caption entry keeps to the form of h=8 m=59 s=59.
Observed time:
h=8 m=20 s=16
